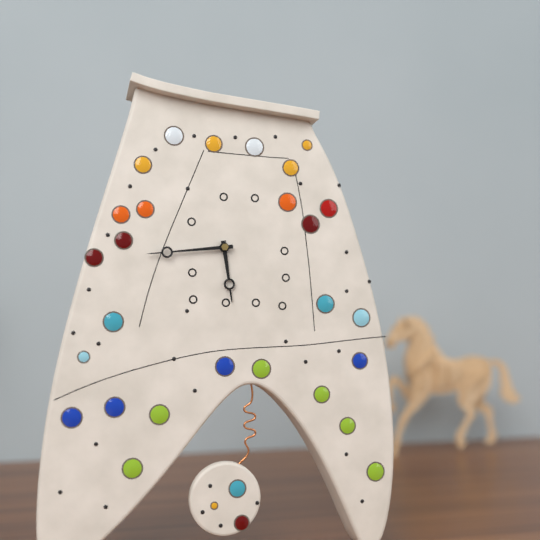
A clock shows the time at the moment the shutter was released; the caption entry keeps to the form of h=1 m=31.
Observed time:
h=5 m=44
